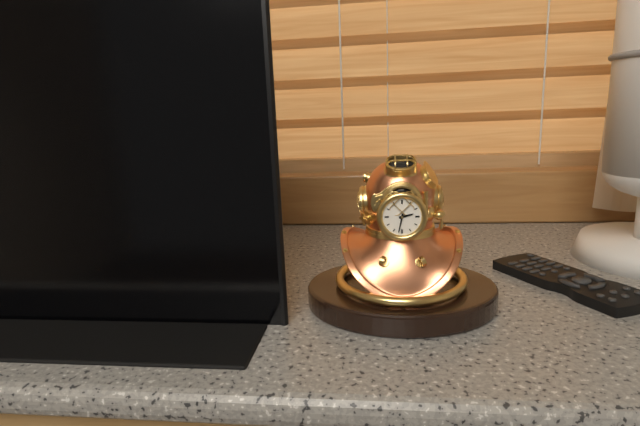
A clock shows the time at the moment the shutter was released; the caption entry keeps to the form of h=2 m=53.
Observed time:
h=2 m=32
